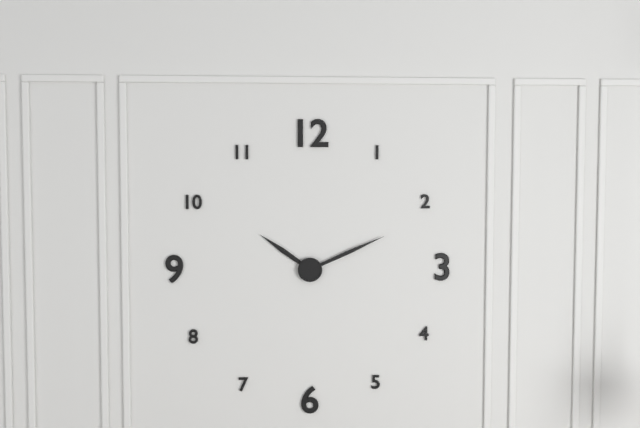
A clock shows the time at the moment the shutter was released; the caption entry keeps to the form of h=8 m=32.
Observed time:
h=10 m=11
